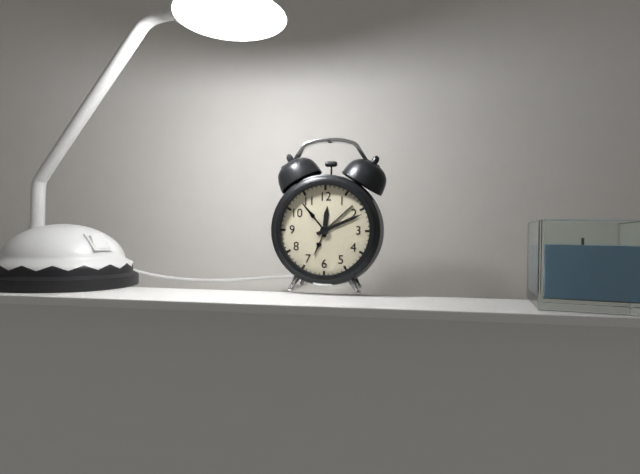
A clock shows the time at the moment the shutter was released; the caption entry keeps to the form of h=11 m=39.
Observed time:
h=12 m=11
